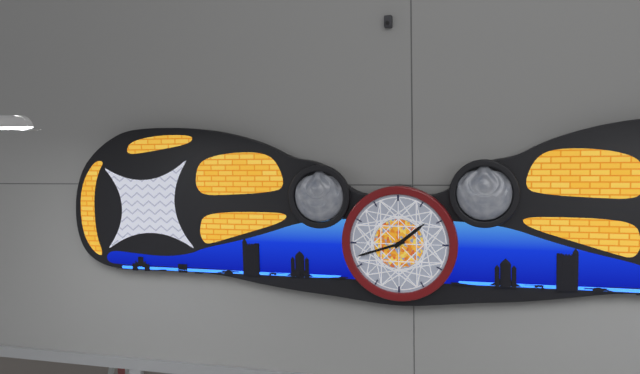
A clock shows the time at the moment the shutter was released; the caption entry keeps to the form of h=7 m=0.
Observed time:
h=1 m=42
